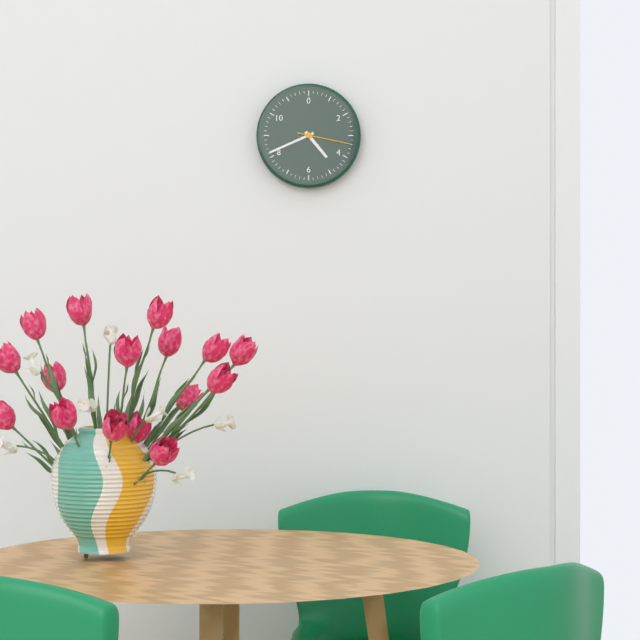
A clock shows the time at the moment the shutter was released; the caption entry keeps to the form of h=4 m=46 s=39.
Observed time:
h=4 m=41 s=17
